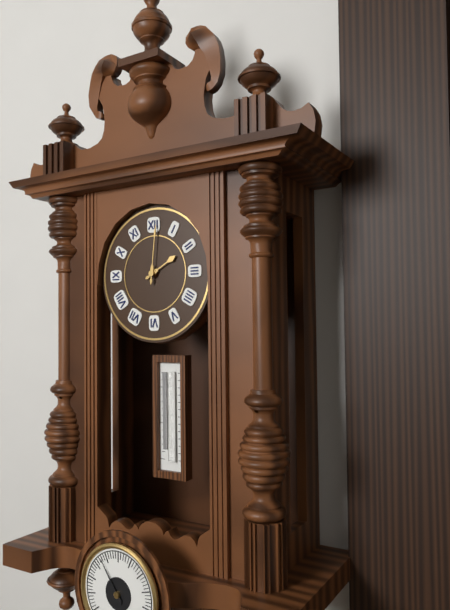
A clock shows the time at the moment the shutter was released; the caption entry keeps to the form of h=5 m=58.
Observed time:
h=2 m=1
